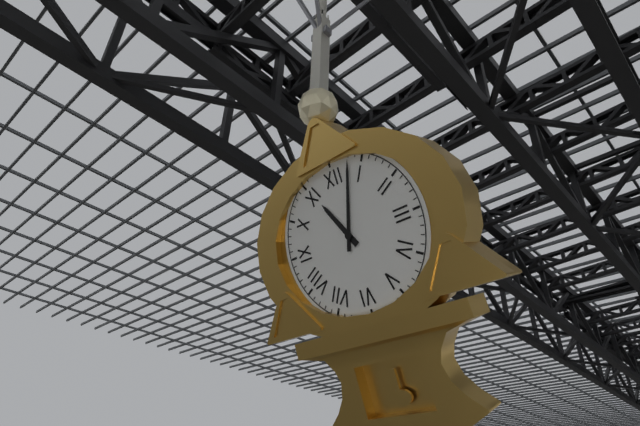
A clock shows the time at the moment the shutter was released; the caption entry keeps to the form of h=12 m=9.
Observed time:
h=11 m=3
